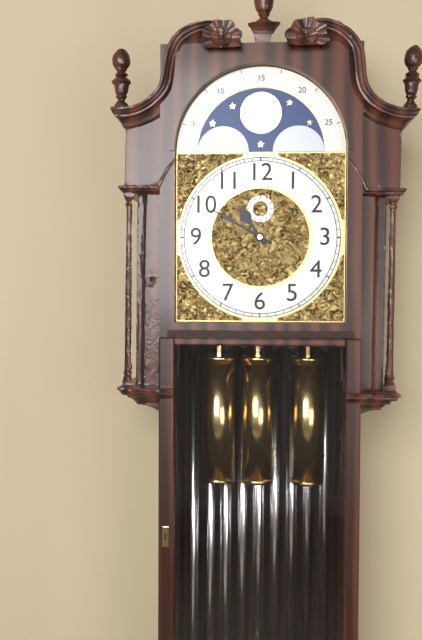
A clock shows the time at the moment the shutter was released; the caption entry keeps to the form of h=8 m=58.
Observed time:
h=10 m=50
